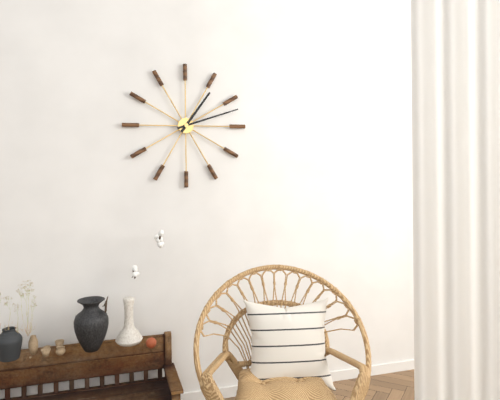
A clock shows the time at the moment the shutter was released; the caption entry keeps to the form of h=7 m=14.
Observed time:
h=1 m=12
